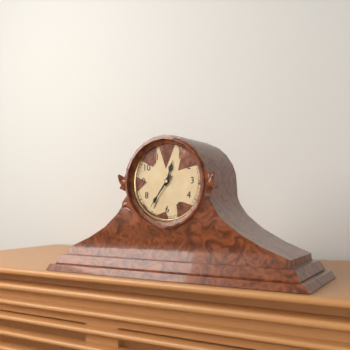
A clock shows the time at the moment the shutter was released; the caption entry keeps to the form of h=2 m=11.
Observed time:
h=12 m=36
